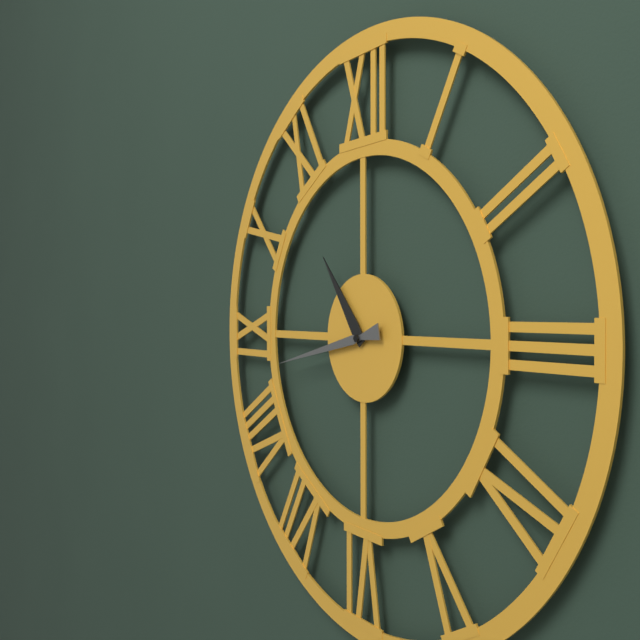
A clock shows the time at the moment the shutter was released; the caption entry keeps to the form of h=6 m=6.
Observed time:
h=10 m=43
